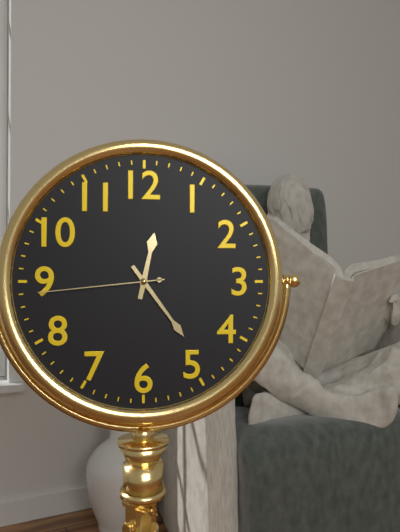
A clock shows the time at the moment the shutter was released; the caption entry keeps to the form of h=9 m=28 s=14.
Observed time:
h=12 m=24 s=44
